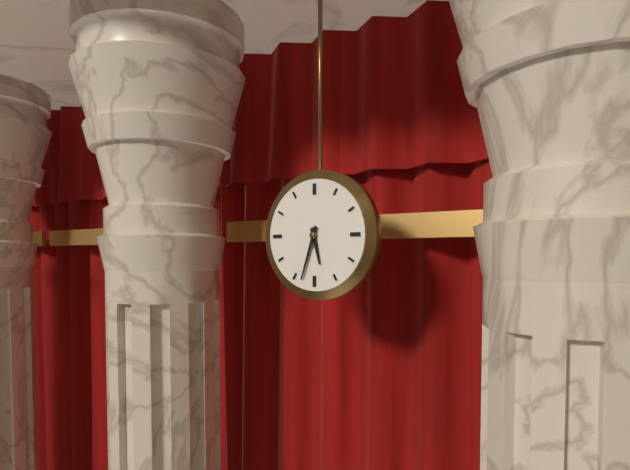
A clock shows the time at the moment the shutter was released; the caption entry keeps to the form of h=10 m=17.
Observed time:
h=5 m=33
